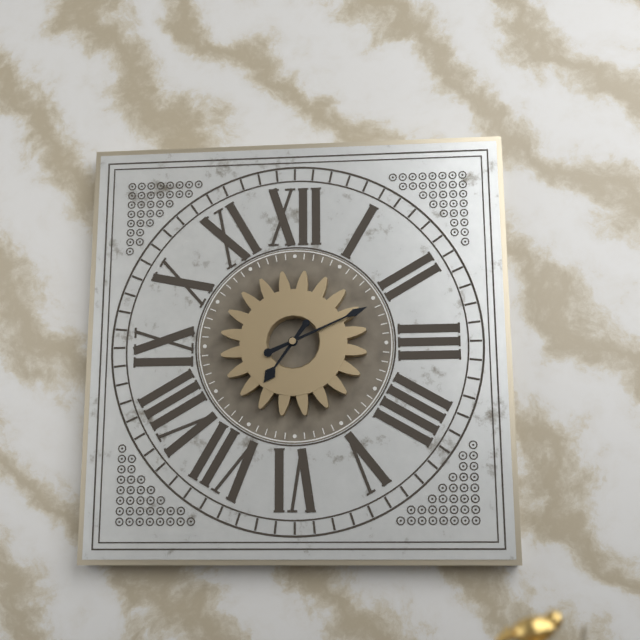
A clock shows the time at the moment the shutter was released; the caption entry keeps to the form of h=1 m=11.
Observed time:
h=7 m=11
